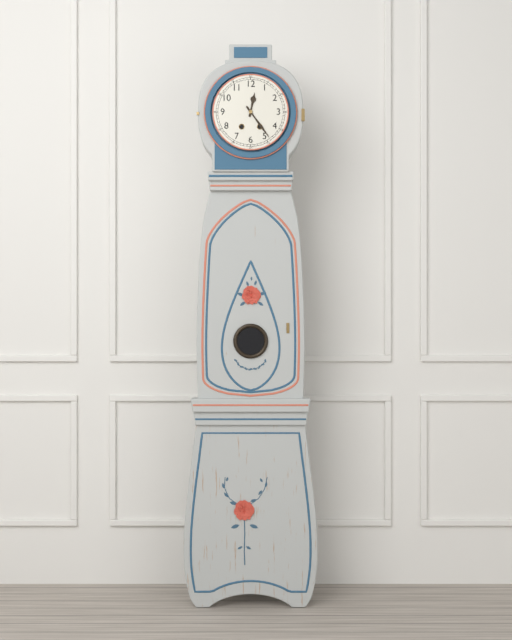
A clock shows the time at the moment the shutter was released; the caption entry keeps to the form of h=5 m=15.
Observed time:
h=12 m=24
